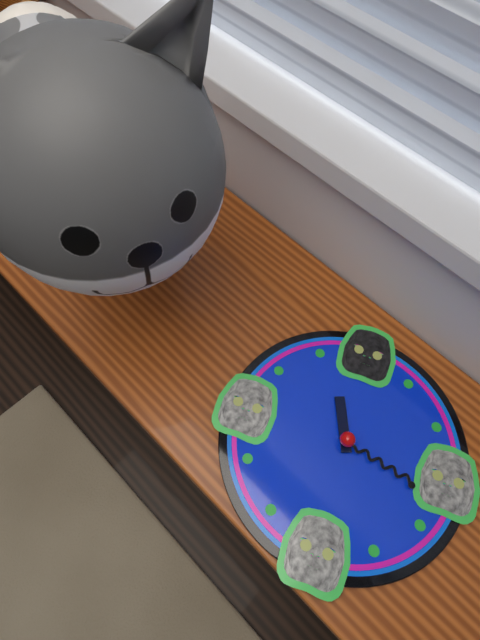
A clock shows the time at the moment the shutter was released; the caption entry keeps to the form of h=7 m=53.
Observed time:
h=11 m=17
